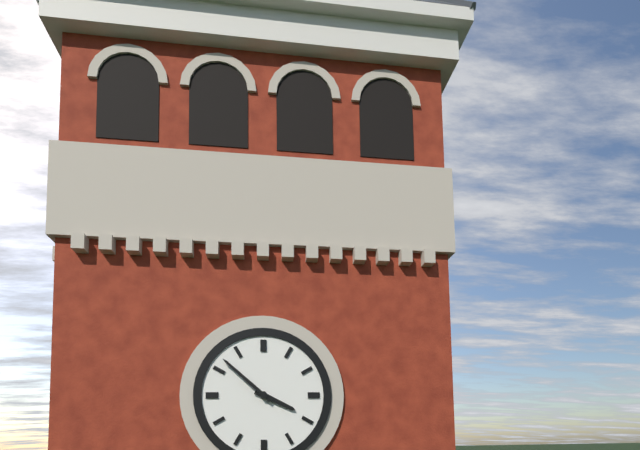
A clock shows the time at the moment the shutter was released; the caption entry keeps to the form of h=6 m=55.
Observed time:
h=3 m=52
